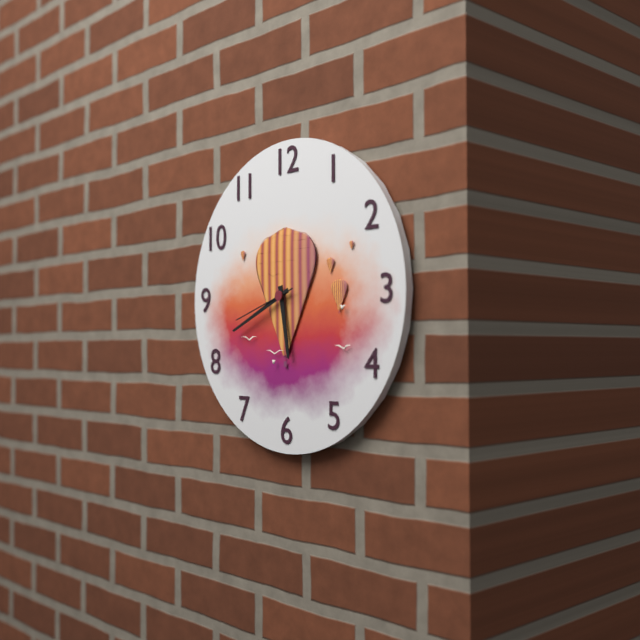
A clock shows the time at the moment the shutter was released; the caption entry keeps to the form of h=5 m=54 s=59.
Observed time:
h=5 m=41 s=42
